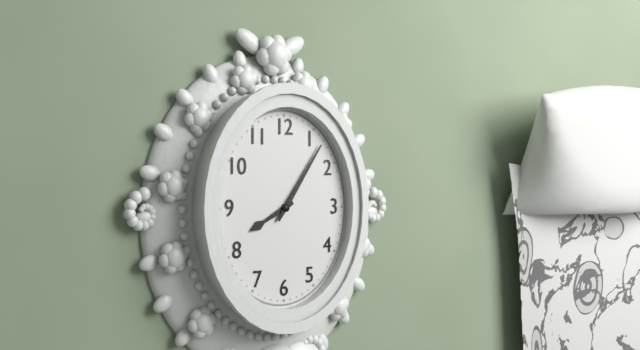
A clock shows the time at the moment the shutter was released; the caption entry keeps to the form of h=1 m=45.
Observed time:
h=8 m=6
